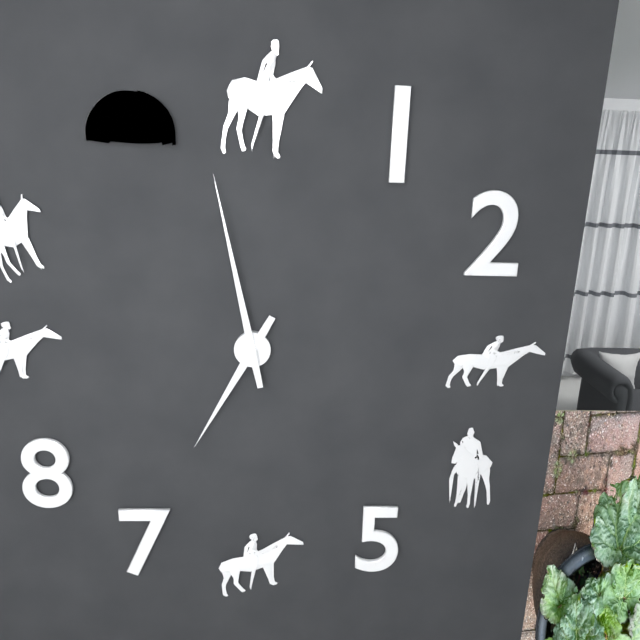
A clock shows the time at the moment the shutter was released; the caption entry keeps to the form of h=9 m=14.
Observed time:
h=6 m=58
